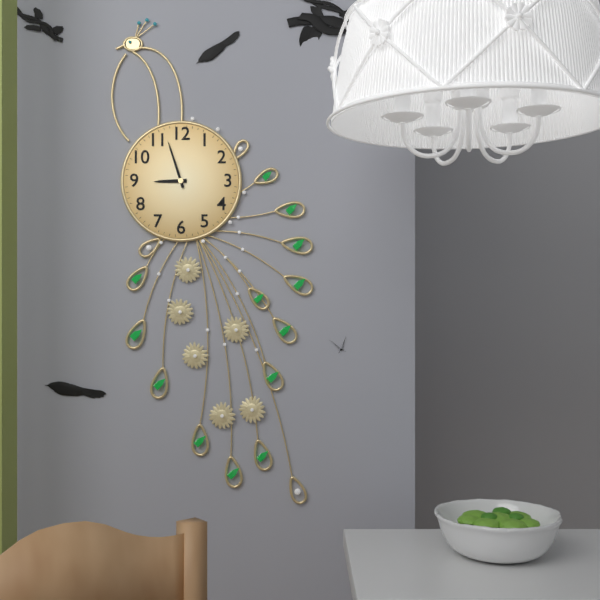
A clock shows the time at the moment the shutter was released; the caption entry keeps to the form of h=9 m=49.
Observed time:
h=8 m=57
